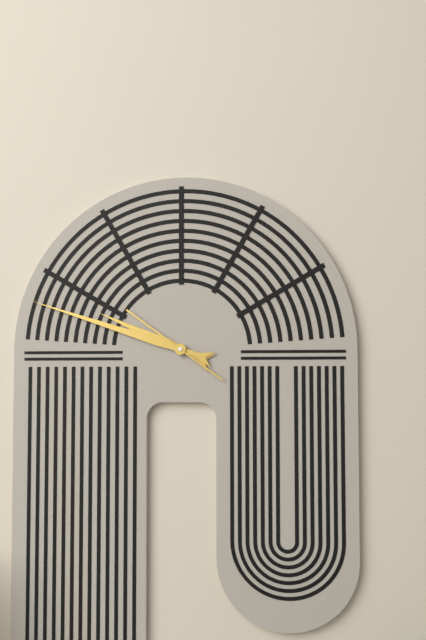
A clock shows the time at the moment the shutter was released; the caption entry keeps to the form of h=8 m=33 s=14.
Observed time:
h=9 m=48 s=51
